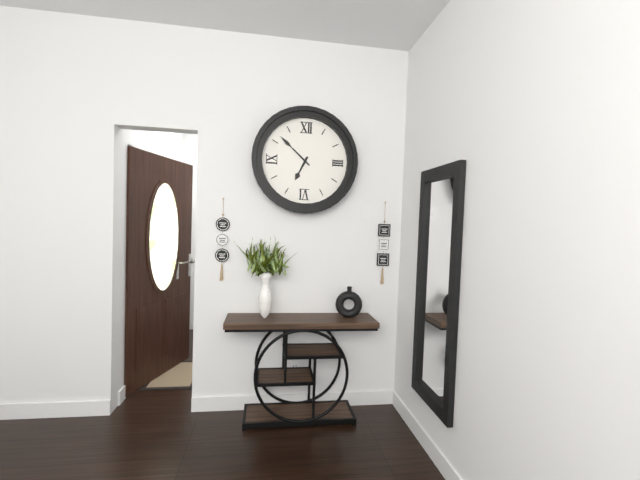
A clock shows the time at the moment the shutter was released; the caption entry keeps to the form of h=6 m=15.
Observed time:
h=6 m=52
